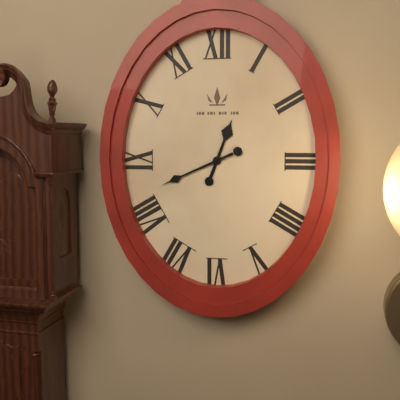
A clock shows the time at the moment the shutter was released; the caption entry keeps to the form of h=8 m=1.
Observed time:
h=12 m=41
